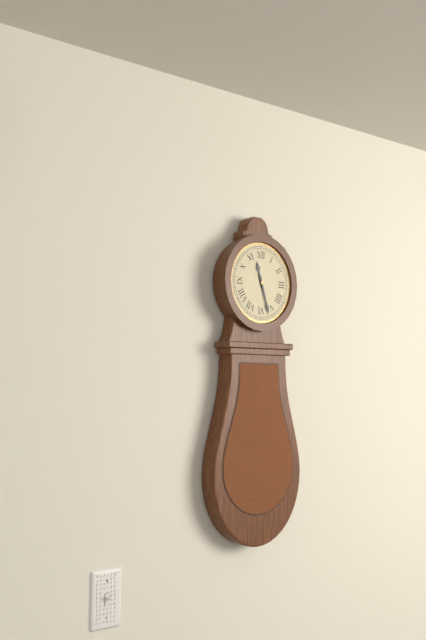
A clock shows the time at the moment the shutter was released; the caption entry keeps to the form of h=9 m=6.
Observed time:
h=11 m=27
